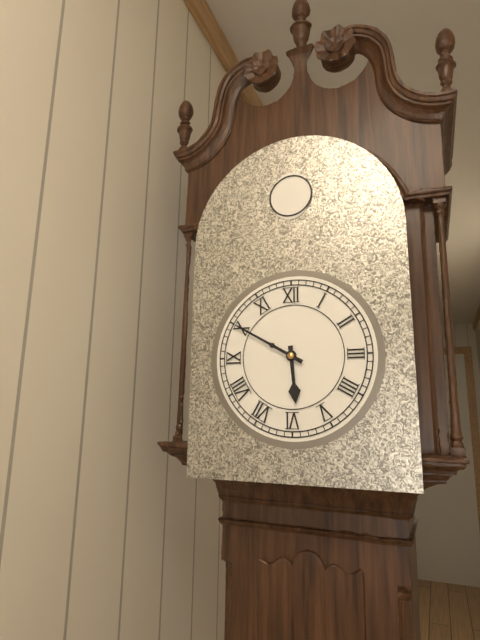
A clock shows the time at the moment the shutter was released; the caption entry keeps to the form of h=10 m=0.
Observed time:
h=5 m=50
